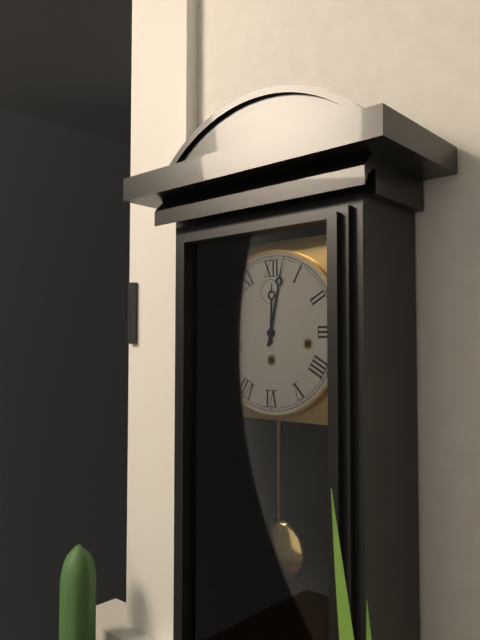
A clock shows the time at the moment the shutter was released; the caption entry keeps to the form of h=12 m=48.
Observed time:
h=12 m=2
